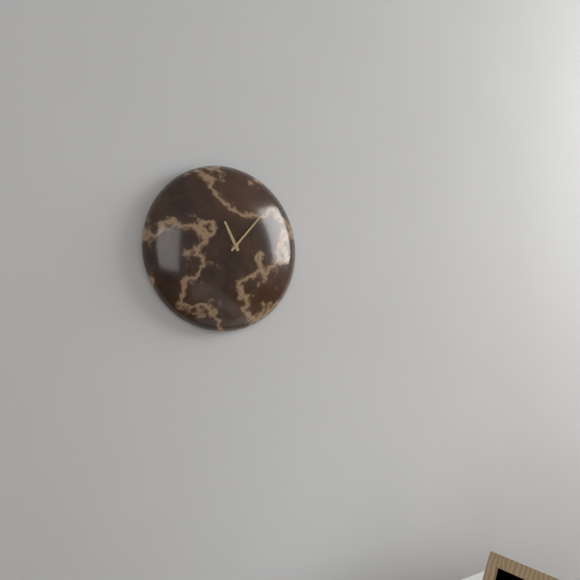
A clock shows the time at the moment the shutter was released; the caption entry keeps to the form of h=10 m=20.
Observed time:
h=11 m=7
